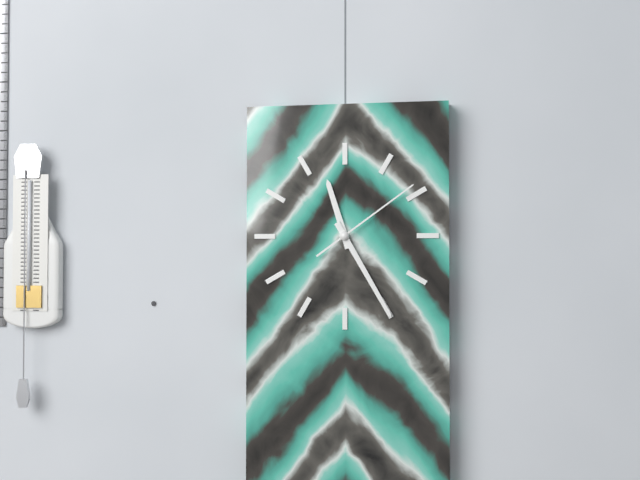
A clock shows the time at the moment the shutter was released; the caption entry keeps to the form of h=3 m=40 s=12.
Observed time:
h=11 m=25 s=9
